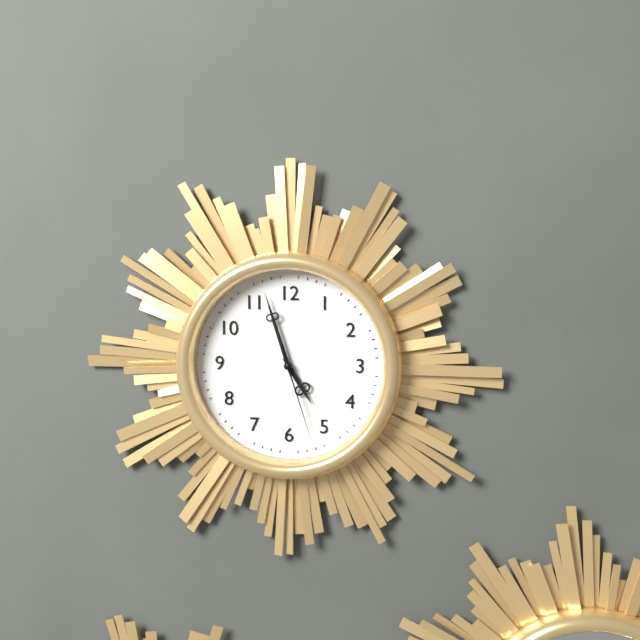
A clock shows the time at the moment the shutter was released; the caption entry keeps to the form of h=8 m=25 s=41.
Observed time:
h=4 m=57 s=27
